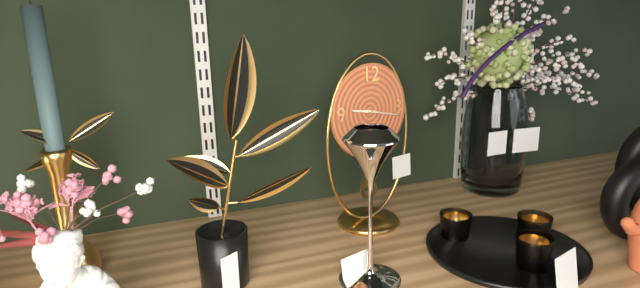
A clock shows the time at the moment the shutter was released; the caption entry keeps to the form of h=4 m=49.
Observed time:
h=9 m=17
